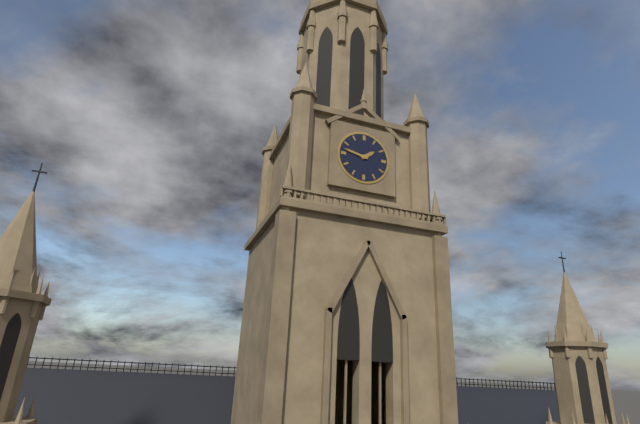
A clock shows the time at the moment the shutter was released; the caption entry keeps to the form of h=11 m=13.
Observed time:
h=1 m=47
